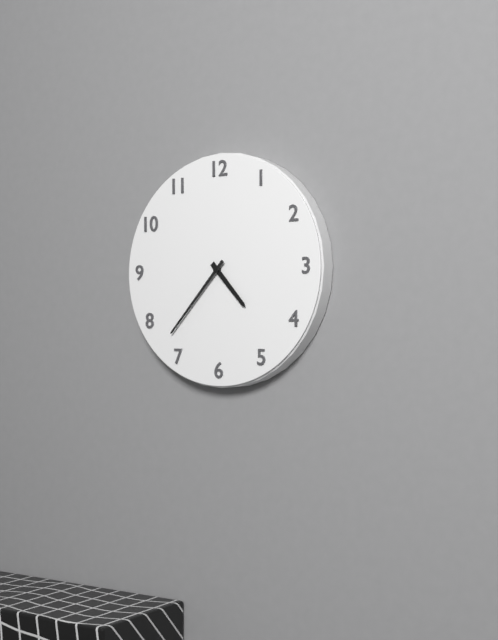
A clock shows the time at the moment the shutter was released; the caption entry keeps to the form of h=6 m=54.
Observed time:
h=4 m=37
